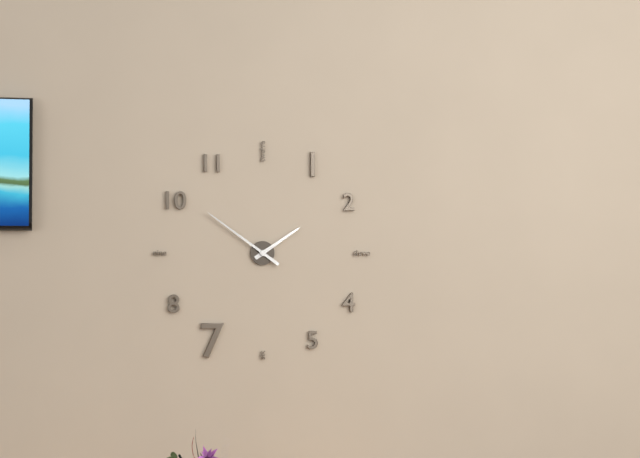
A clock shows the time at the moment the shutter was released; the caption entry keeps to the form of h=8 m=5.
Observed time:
h=1 m=51
